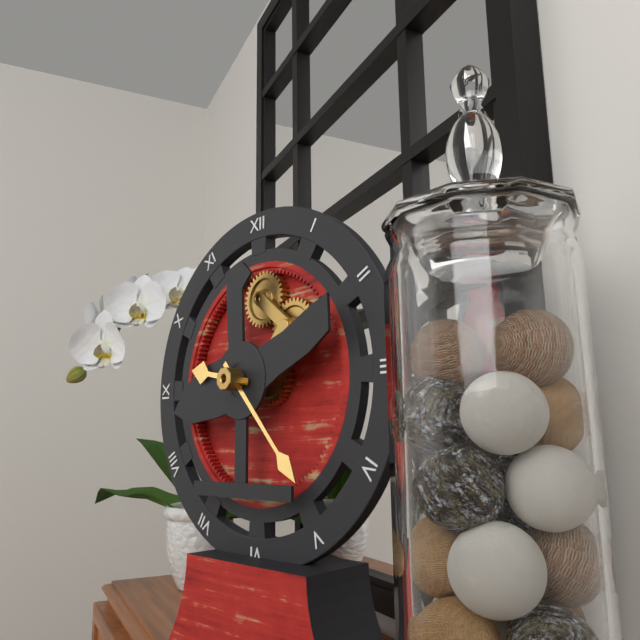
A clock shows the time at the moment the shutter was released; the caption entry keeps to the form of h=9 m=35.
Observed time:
h=9 m=23
